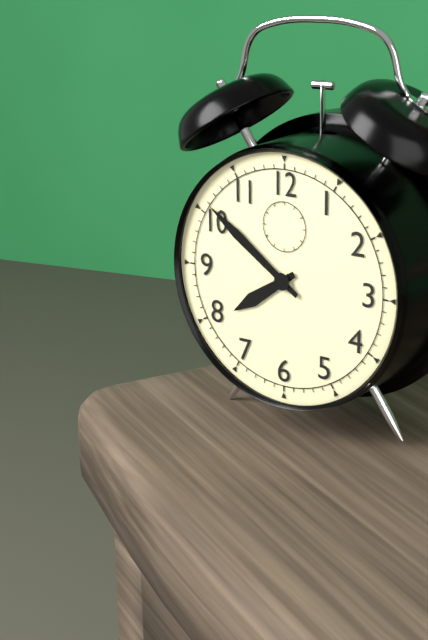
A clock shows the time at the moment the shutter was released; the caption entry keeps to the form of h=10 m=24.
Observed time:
h=7 m=51
